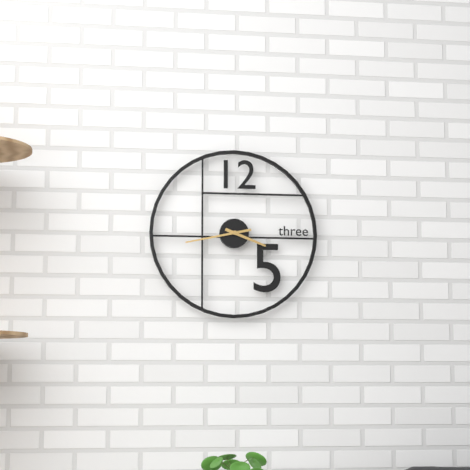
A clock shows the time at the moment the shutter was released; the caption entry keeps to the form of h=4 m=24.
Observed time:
h=3 m=43
